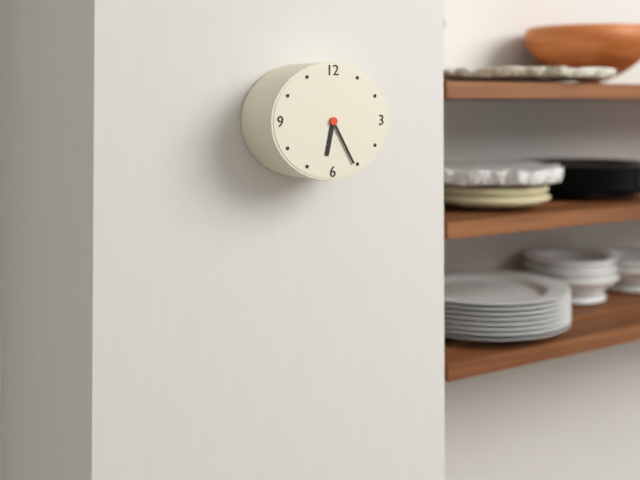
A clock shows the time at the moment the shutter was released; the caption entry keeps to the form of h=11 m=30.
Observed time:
h=6 m=25
